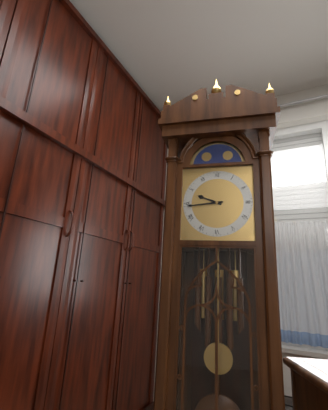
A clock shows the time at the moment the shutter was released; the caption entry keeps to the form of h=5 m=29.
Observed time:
h=9 m=44
